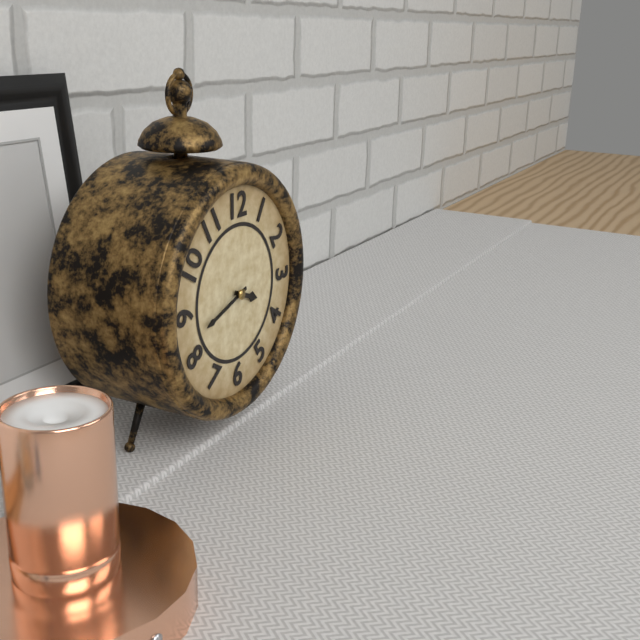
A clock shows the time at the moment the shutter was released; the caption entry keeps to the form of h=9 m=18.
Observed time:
h=3 m=42
